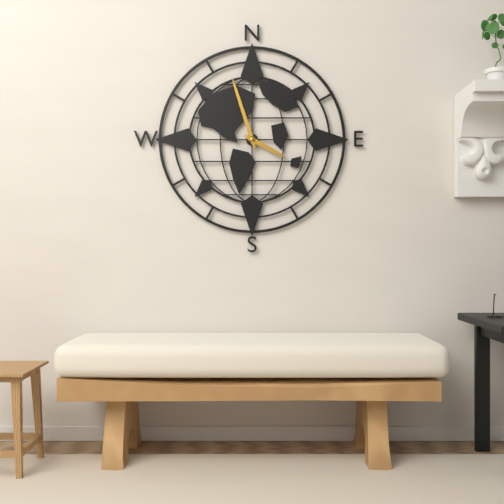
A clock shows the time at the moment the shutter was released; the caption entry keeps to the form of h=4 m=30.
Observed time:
h=3 m=57
